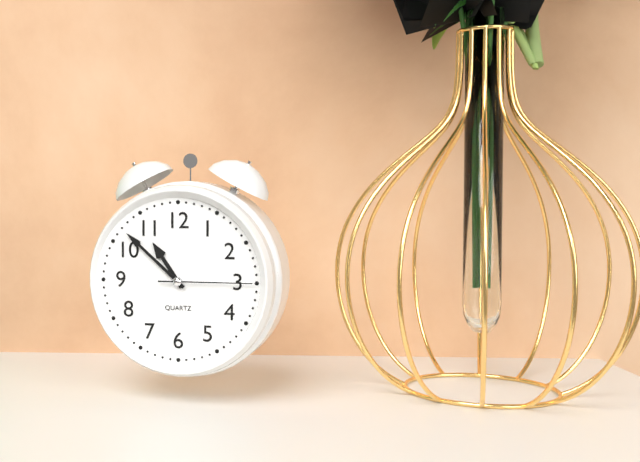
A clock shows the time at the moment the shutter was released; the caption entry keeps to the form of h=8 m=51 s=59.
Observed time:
h=10 m=52 s=15
